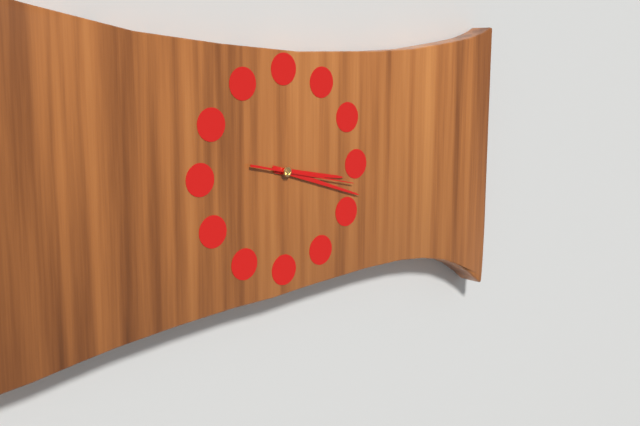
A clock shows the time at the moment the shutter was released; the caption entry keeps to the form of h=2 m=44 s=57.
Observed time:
h=3 m=18 s=17
